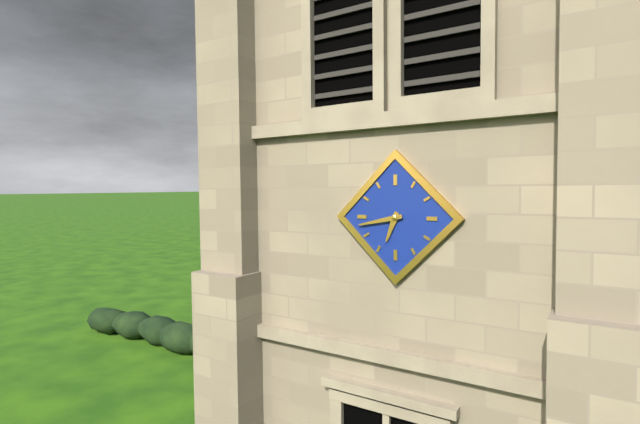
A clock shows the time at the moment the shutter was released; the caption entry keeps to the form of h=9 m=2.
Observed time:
h=6 m=43
